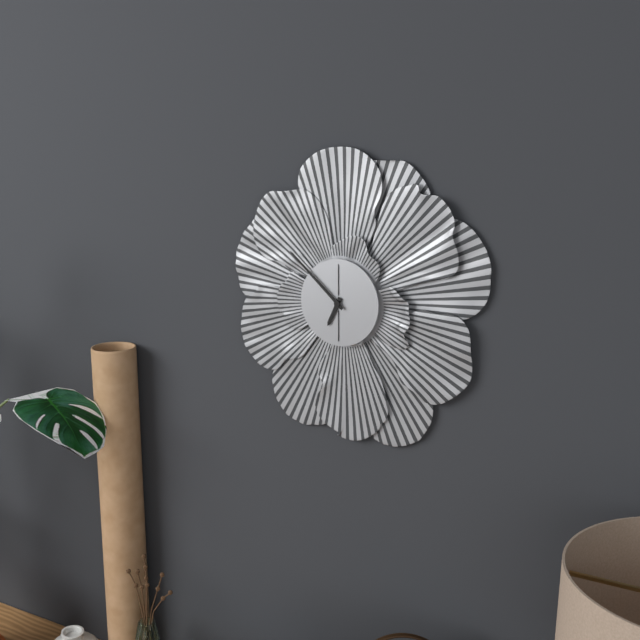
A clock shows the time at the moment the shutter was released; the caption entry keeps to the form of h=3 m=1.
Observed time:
h=6 m=52
